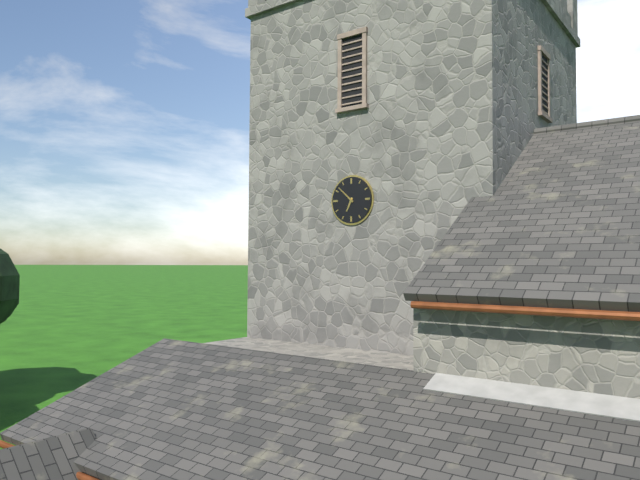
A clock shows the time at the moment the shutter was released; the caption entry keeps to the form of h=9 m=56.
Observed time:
h=6 m=52
